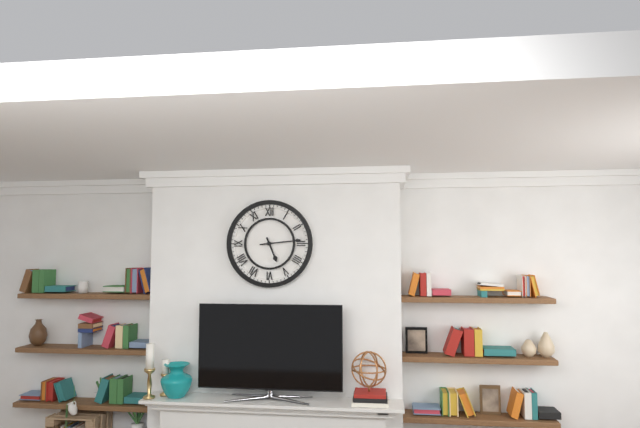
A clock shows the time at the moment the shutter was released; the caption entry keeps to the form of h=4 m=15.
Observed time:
h=5 m=14
